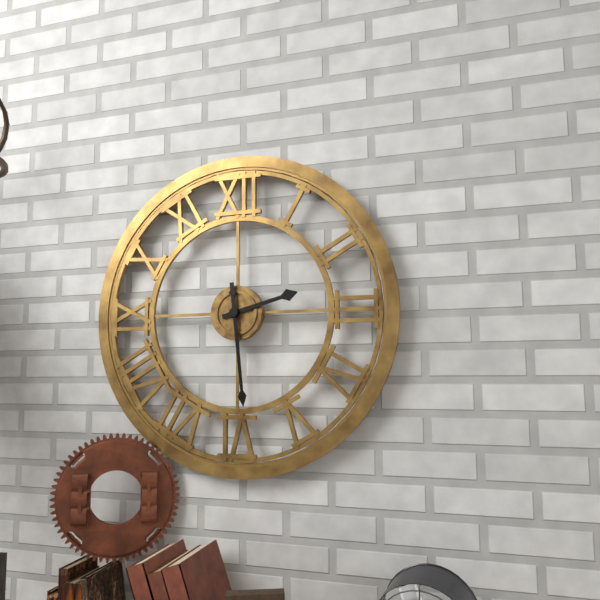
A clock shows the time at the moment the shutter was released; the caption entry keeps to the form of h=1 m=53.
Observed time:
h=2 m=29
